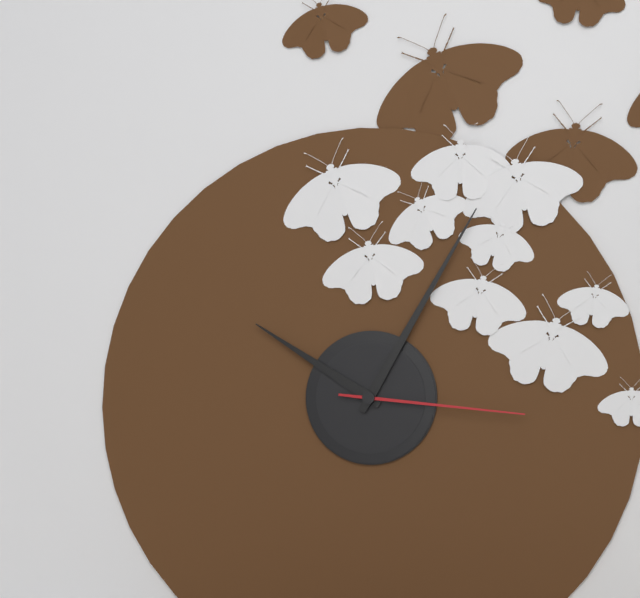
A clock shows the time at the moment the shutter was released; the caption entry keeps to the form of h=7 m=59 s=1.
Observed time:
h=10 m=5 s=16
